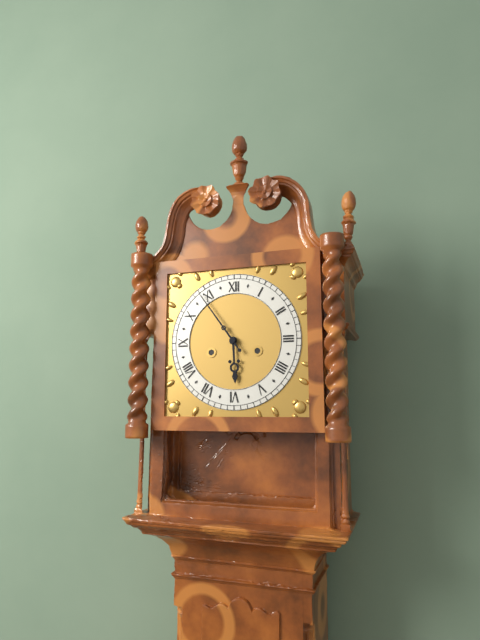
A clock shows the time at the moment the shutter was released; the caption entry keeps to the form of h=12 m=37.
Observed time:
h=5 m=54
